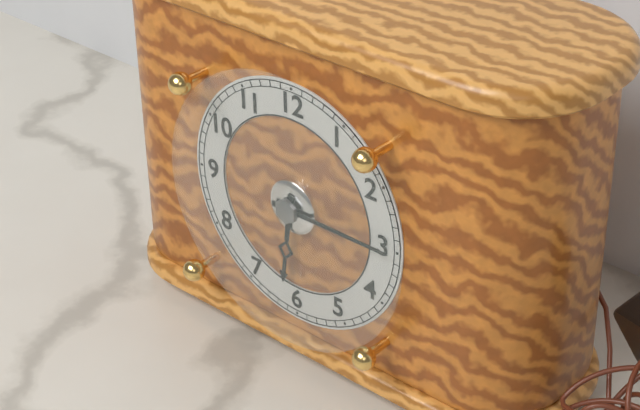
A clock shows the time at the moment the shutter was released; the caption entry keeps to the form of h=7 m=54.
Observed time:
h=6 m=15
